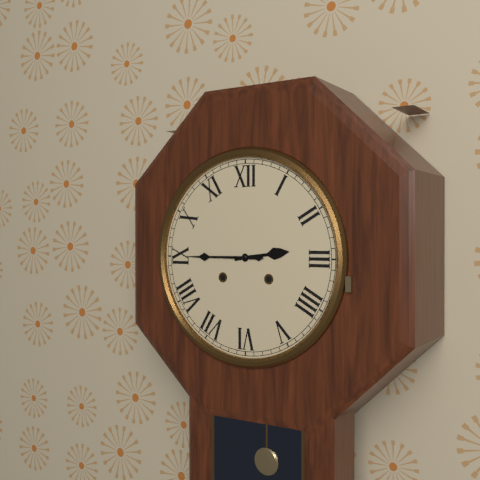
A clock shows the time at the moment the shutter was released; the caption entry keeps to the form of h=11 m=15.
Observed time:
h=2 m=45
